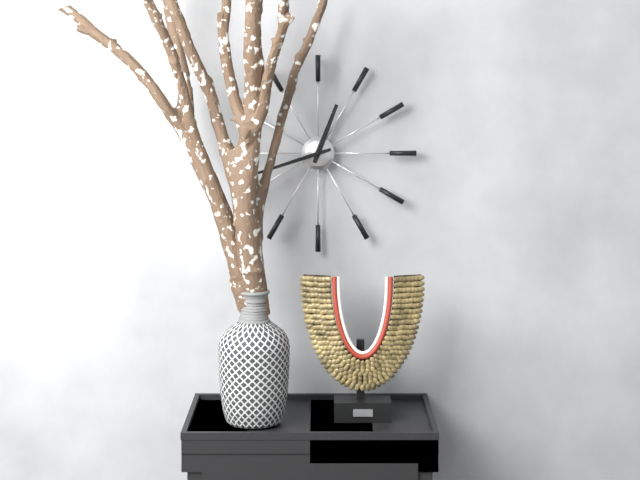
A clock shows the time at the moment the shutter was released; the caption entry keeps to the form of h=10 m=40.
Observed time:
h=12 m=42
